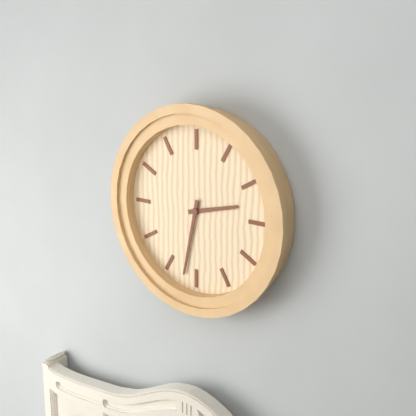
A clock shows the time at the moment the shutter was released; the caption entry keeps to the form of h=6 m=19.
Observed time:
h=2 m=32
